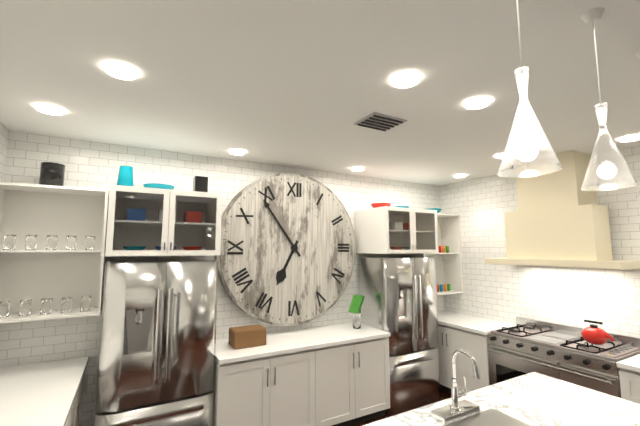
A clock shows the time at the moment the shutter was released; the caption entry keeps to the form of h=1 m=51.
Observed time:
h=6 m=54
